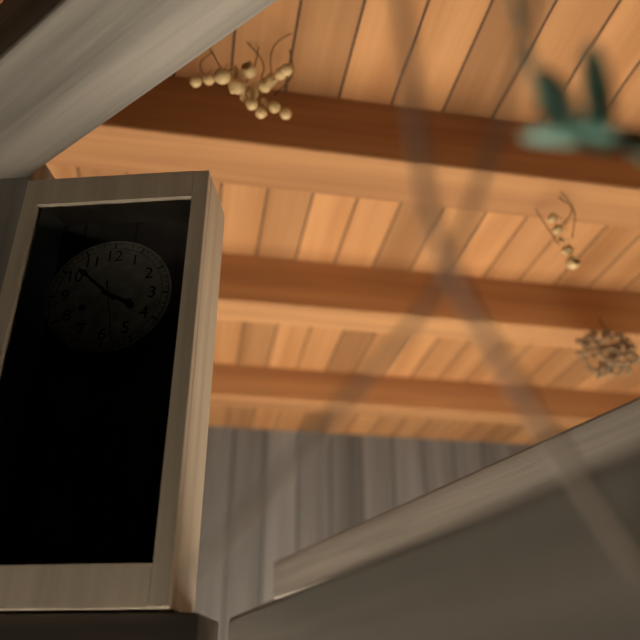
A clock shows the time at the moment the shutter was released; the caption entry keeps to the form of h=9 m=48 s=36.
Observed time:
h=3 m=52 s=28
